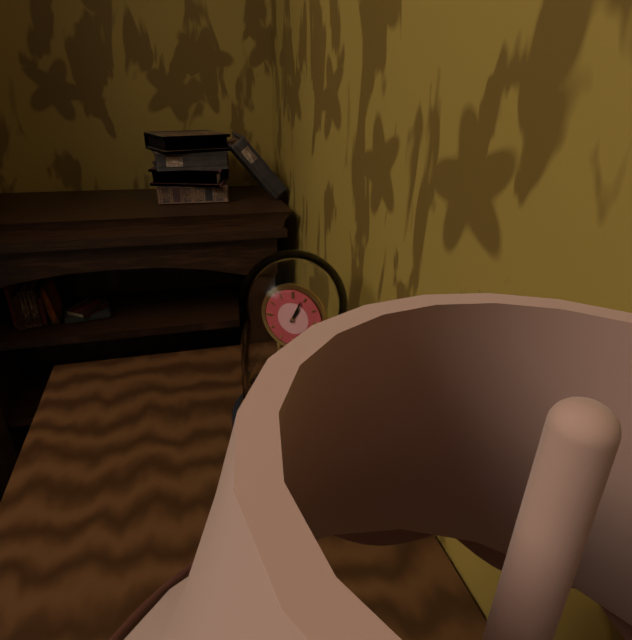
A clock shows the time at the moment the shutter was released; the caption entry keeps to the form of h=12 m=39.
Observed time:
h=1 m=4
